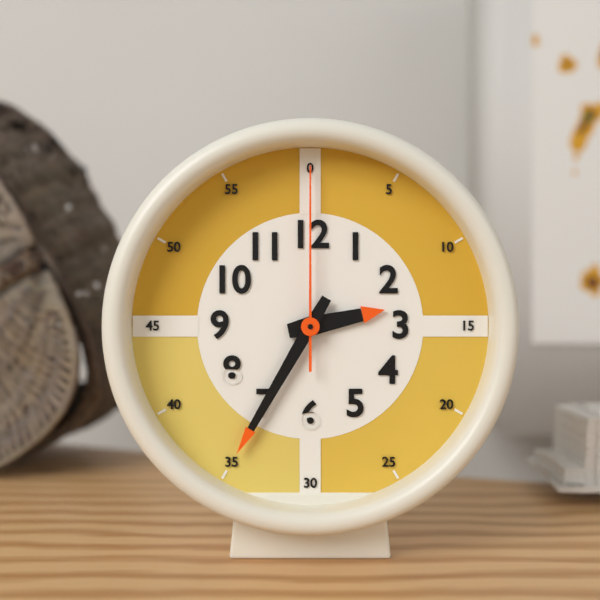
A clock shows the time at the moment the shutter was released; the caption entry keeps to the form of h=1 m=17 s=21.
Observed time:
h=2 m=35 s=0
